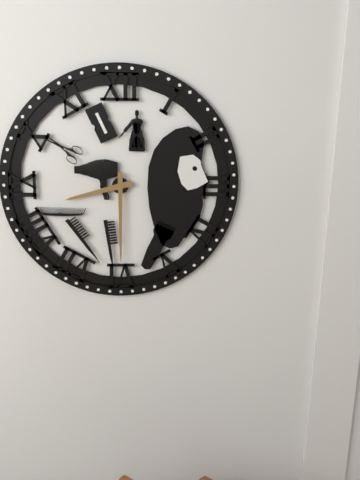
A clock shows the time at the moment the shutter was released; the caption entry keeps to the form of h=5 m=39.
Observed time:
h=8 m=30
